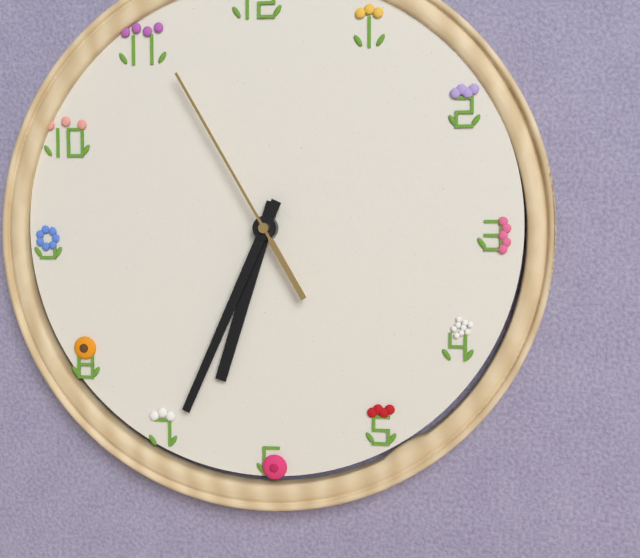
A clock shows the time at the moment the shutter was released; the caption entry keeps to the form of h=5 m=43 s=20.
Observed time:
h=6 m=34 s=55
